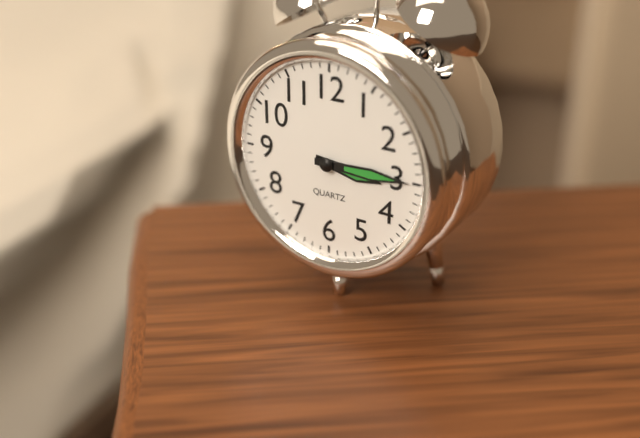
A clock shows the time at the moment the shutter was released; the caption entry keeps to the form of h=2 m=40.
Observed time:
h=3 m=15
